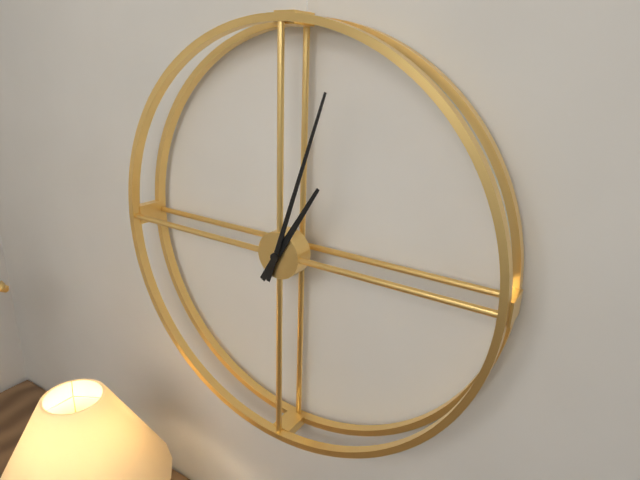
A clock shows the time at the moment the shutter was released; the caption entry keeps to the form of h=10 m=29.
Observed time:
h=1 m=3
